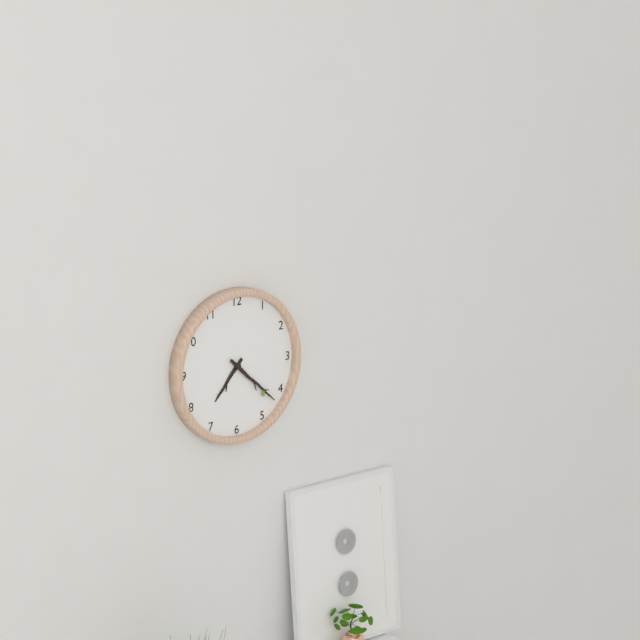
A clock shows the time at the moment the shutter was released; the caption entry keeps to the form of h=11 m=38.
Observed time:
h=7 m=22
